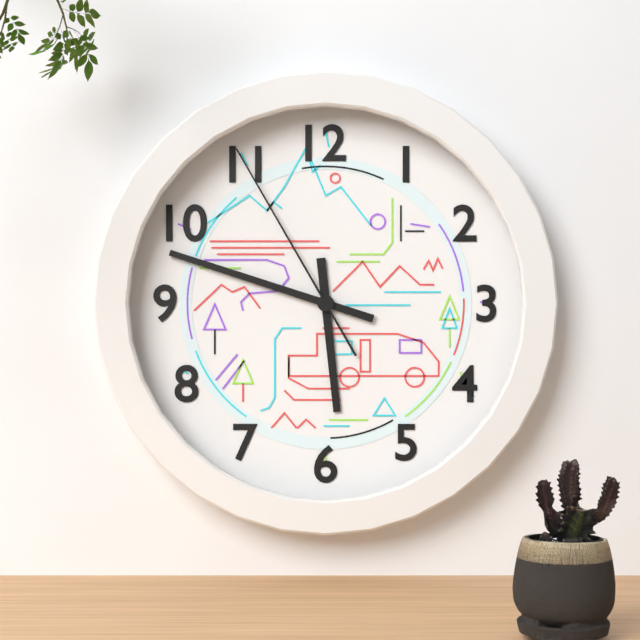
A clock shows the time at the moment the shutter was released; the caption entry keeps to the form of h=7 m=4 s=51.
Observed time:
h=5 m=48 s=55
